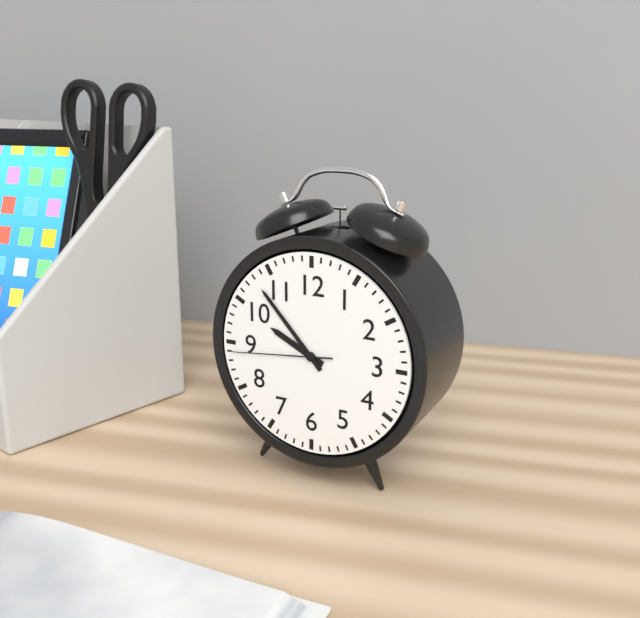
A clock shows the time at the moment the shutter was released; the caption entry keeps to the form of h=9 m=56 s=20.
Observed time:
h=9 m=53 s=44
